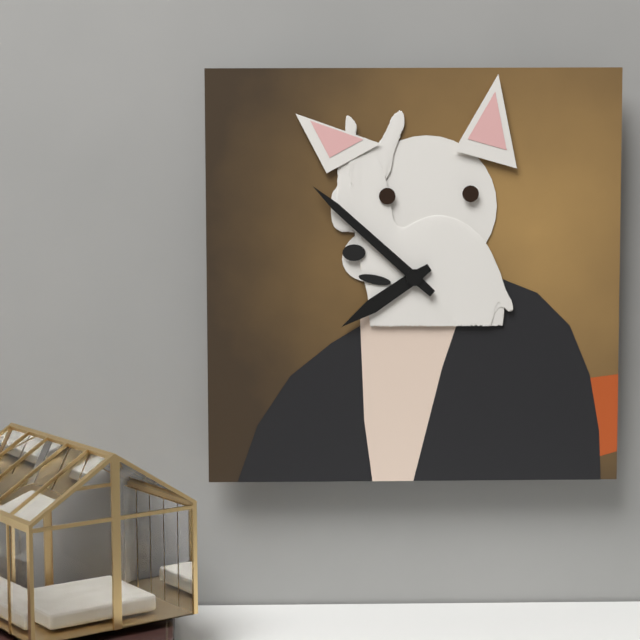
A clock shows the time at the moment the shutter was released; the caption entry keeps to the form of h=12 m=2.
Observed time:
h=7 m=52
